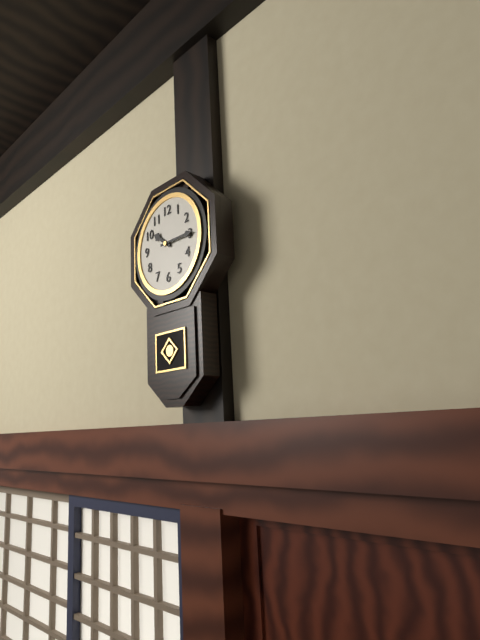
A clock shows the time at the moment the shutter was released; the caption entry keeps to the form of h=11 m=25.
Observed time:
h=10 m=15
